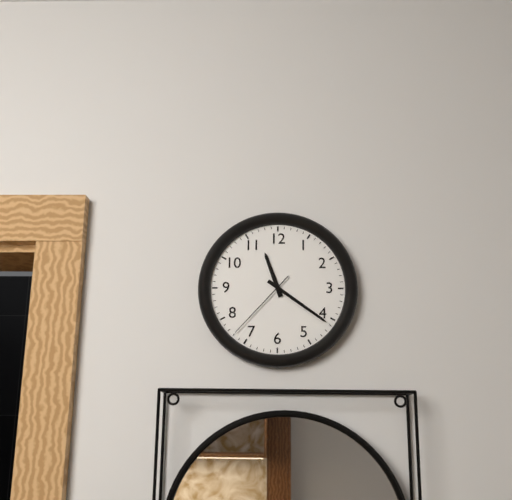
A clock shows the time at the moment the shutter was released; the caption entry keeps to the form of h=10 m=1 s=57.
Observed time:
h=11 m=21 s=37
